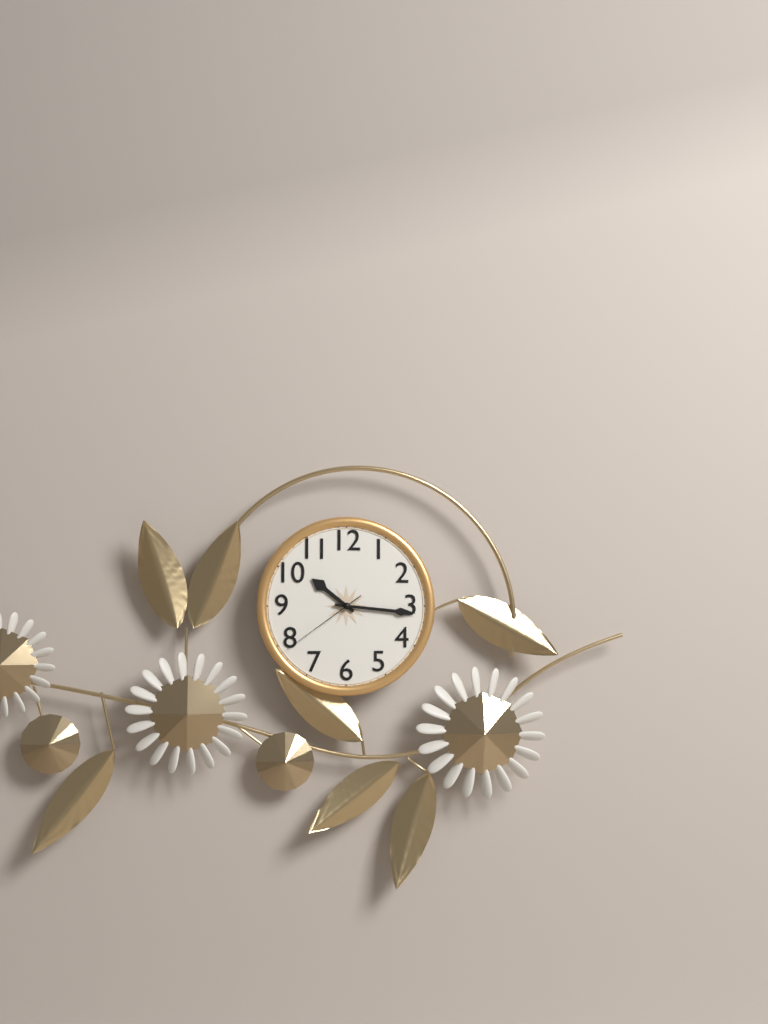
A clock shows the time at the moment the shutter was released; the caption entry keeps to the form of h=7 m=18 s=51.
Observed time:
h=10 m=16 s=39
